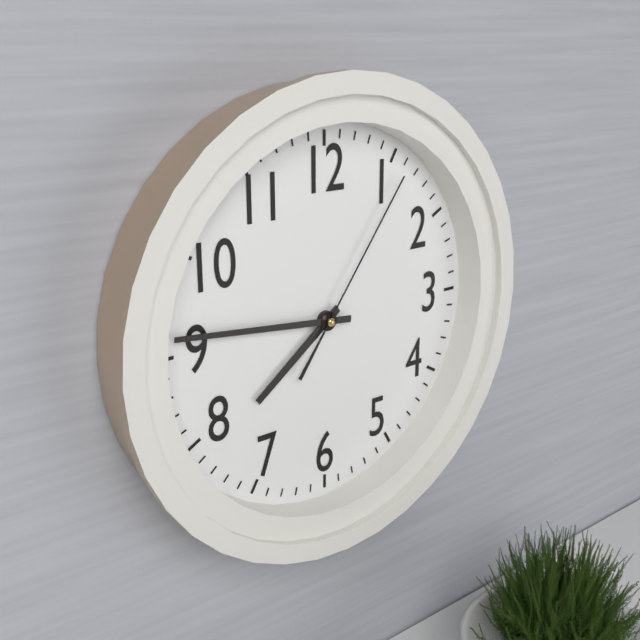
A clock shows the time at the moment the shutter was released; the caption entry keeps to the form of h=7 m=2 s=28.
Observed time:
h=7 m=46 s=6
